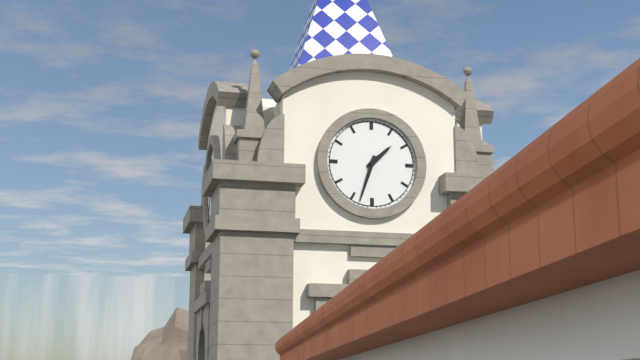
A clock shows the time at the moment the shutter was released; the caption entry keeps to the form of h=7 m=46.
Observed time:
h=1 m=33
